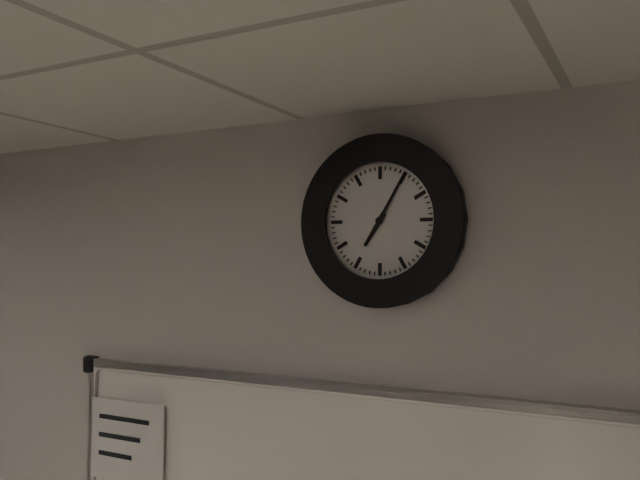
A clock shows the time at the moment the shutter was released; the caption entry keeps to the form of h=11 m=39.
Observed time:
h=7 m=5
